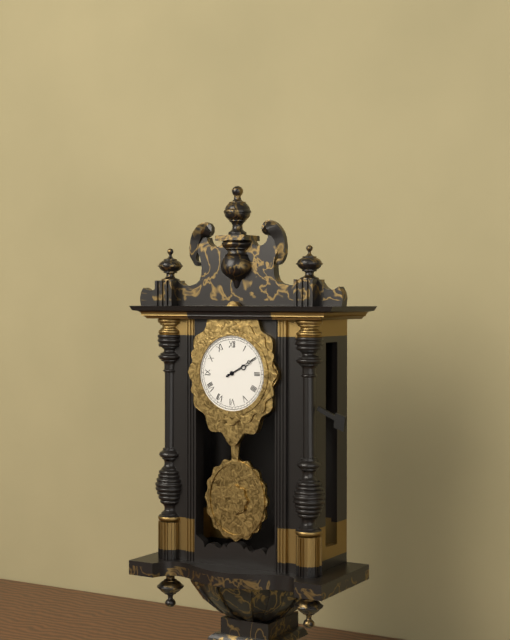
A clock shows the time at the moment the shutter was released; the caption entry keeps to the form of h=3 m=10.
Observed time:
h=2 m=10
